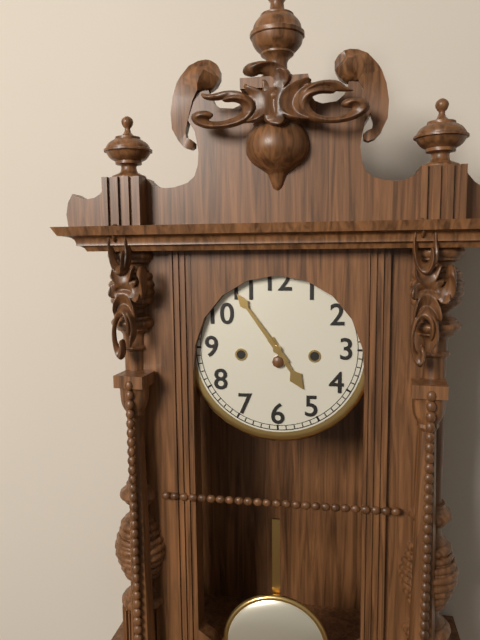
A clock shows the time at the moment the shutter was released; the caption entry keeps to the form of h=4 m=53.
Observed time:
h=4 m=54
